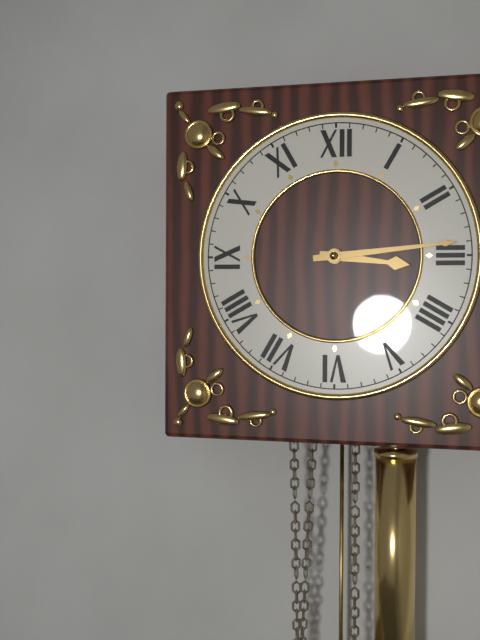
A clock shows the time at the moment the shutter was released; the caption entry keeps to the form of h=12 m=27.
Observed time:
h=3 m=14
